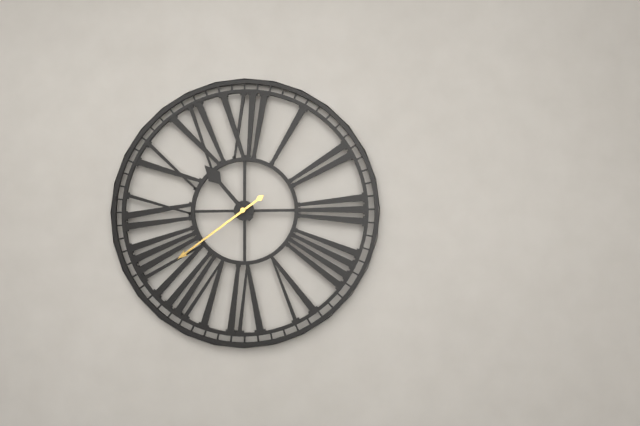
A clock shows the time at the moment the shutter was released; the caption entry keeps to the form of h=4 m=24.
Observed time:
h=10 m=39
